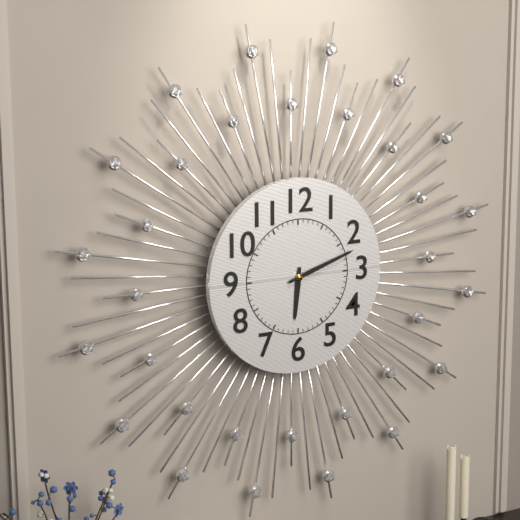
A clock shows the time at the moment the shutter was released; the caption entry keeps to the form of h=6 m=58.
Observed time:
h=6 m=12
